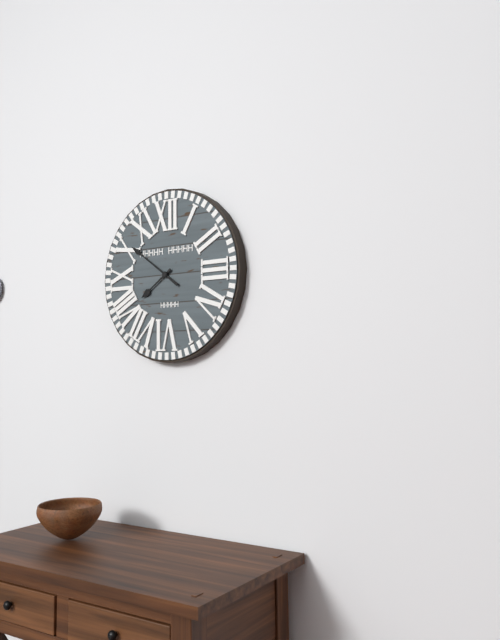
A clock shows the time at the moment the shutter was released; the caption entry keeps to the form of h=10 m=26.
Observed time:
h=7 m=51
